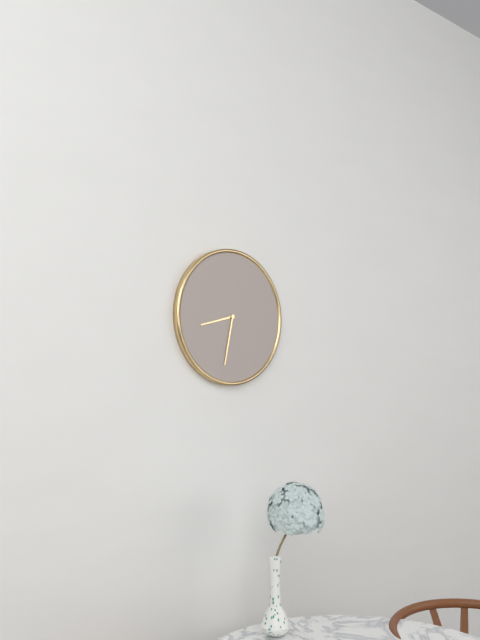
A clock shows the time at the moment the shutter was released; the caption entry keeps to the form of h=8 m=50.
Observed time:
h=8 m=32
